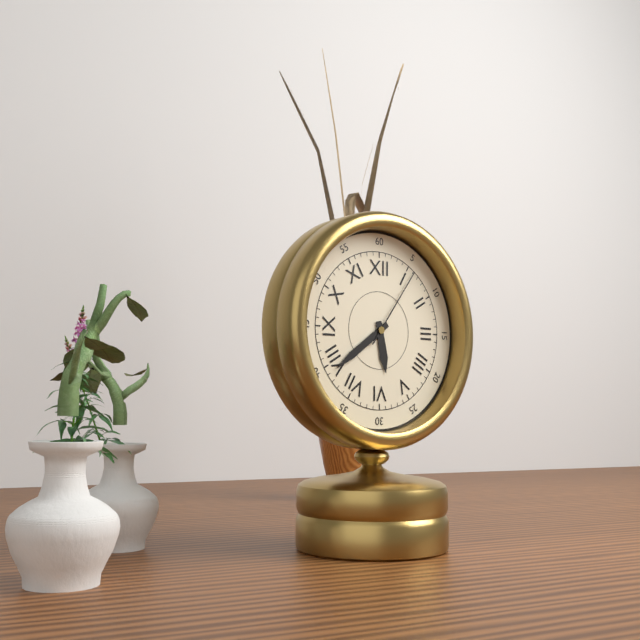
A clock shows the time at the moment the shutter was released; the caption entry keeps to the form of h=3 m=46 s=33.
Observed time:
h=5 m=39 s=6
